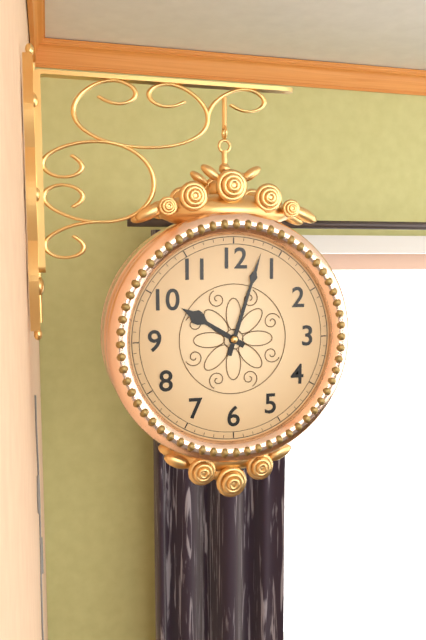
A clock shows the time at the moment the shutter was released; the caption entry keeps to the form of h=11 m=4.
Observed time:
h=10 m=3
